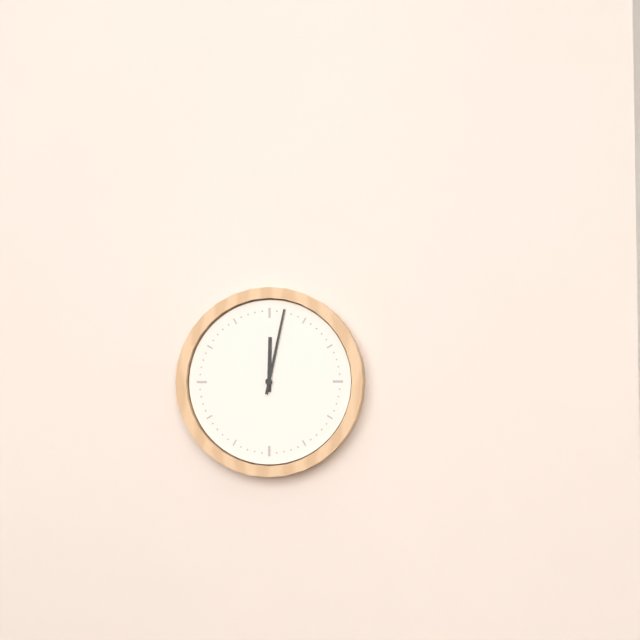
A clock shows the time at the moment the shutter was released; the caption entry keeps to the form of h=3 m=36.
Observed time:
h=12 m=2
